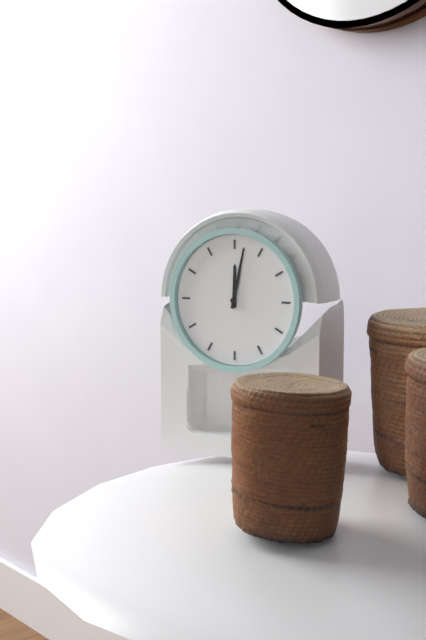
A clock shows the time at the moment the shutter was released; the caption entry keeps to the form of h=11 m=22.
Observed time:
h=12 m=2
